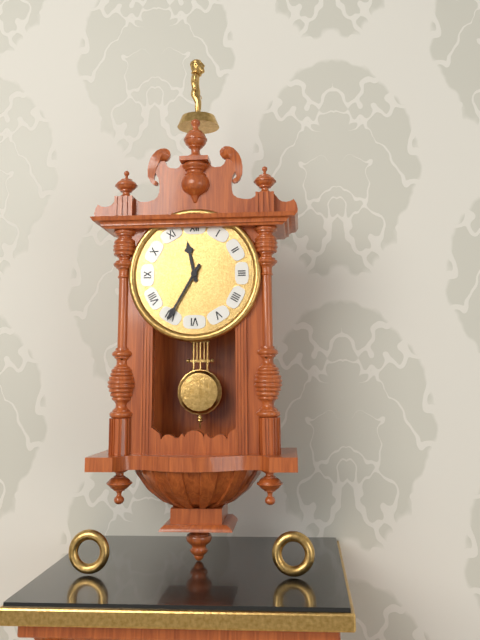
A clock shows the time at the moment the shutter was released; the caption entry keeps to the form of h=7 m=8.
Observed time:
h=11 m=35
